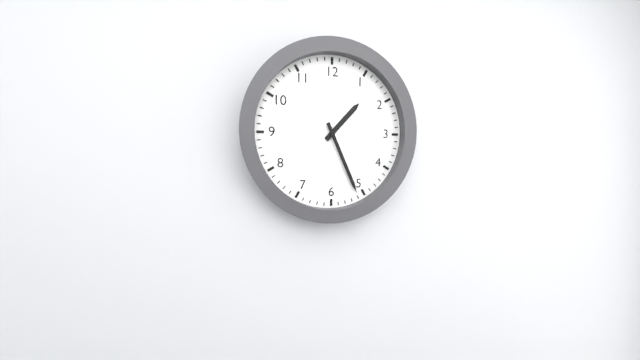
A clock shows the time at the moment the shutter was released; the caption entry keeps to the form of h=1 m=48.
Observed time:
h=1 m=26
